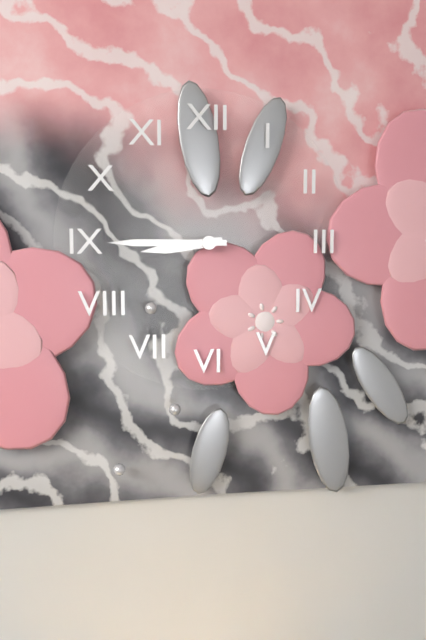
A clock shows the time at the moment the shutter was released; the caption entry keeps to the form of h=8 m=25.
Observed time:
h=8 m=45
